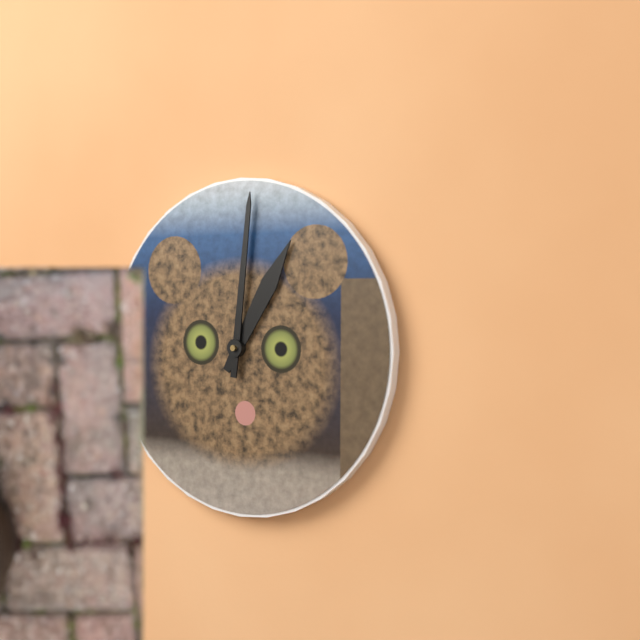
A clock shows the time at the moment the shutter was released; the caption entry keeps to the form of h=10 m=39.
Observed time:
h=1 m=1
